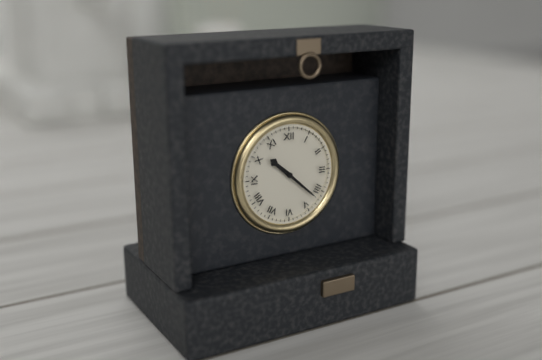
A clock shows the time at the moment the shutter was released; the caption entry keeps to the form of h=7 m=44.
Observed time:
h=10 m=22
